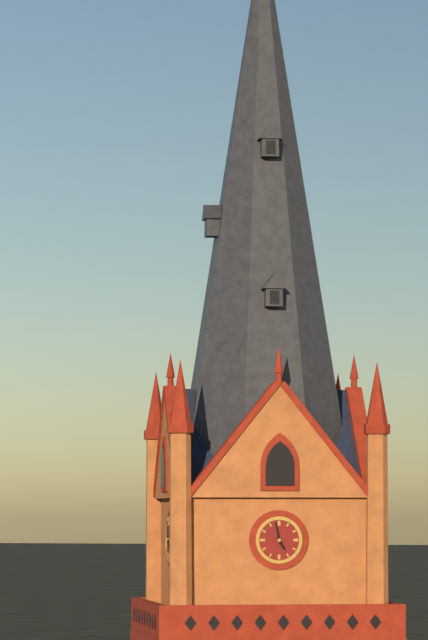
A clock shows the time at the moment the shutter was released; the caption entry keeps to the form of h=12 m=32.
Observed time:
h=4 m=58
